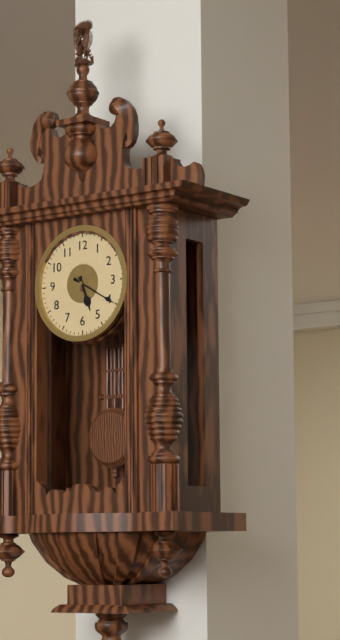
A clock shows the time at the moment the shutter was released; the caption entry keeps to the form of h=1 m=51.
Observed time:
h=5 m=20
